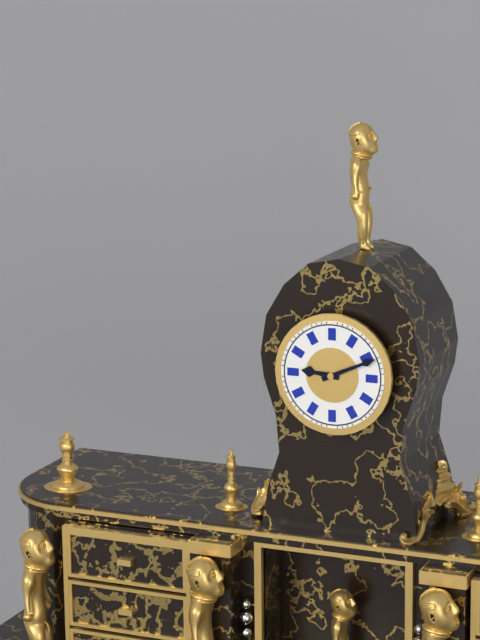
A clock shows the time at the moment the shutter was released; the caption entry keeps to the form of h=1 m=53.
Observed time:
h=9 m=11
